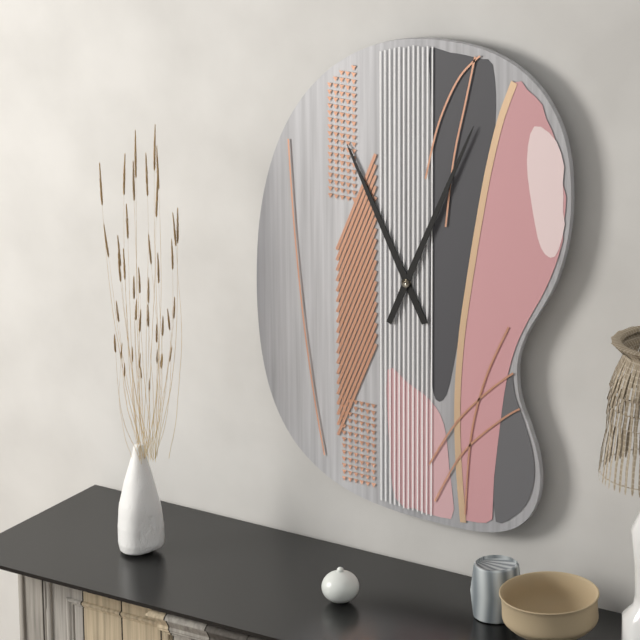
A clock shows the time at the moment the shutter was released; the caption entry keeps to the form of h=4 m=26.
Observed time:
h=11 m=4
